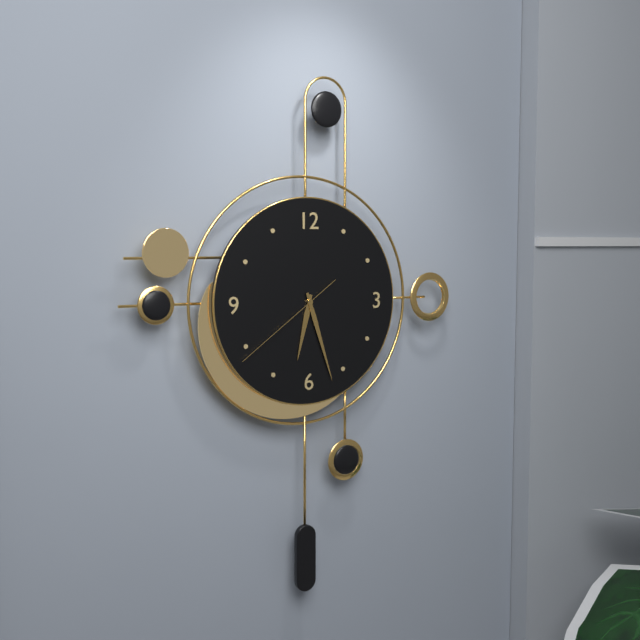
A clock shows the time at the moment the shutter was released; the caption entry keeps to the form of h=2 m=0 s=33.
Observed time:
h=6 m=27 s=39
